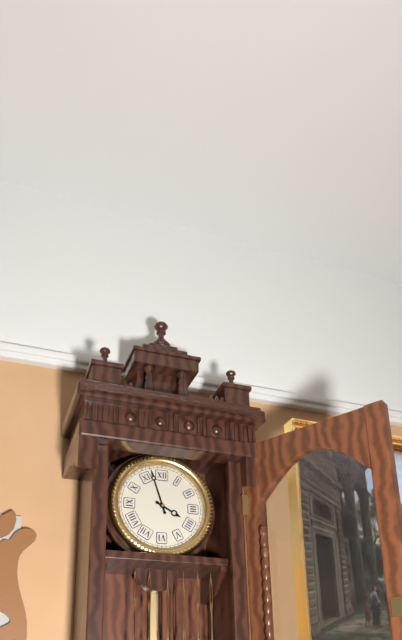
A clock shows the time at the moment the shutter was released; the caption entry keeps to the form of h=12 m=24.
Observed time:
h=3 m=57
